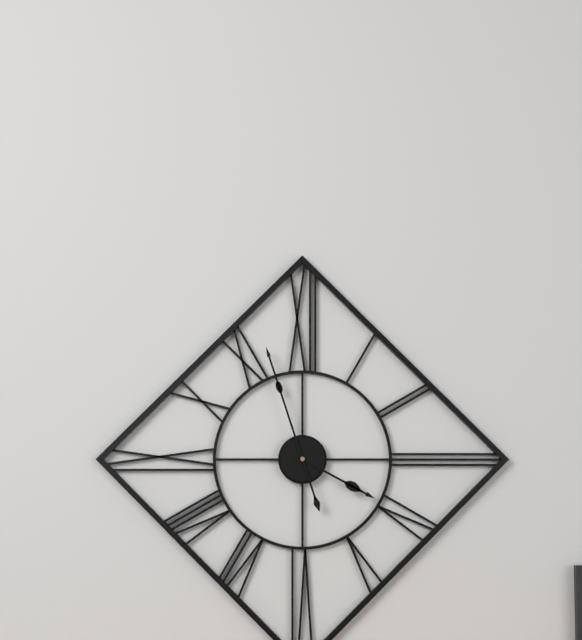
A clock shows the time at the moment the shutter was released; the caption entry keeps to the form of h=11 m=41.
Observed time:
h=3 m=57
